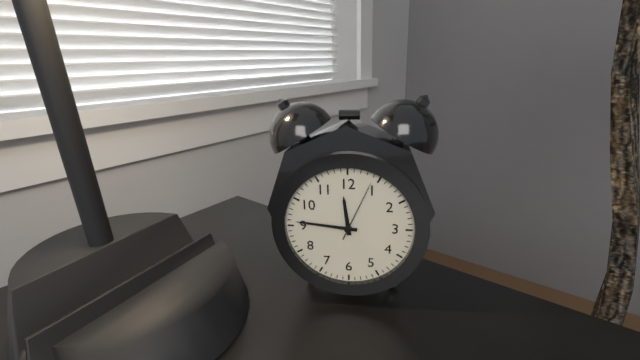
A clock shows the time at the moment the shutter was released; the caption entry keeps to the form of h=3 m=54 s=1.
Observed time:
h=11 m=46 s=4
